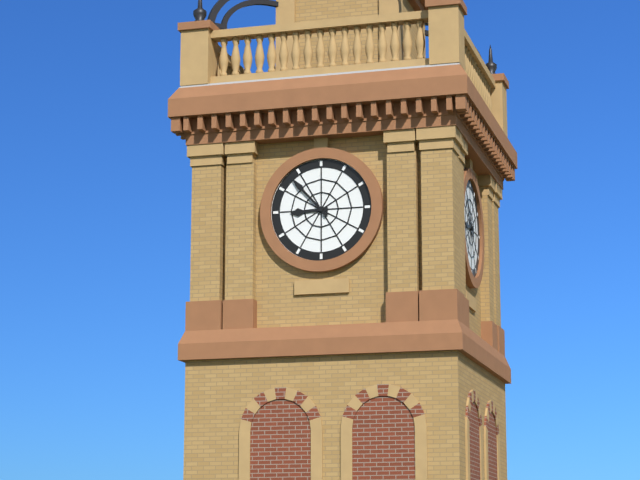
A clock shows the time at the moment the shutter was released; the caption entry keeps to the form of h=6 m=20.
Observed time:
h=8 m=53
